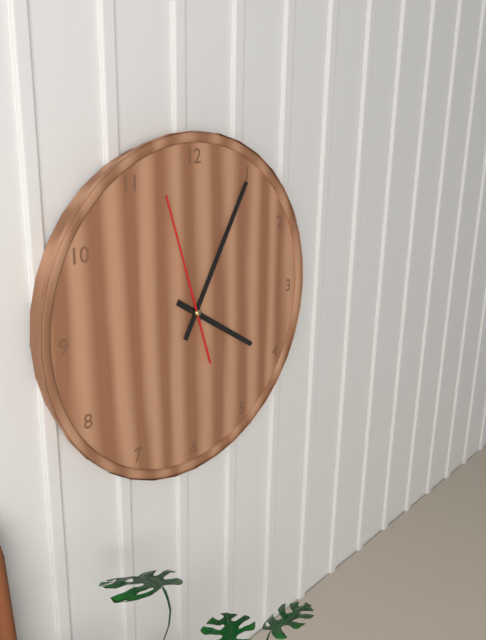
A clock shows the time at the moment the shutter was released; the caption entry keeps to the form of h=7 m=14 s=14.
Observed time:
h=4 m=5 s=57
